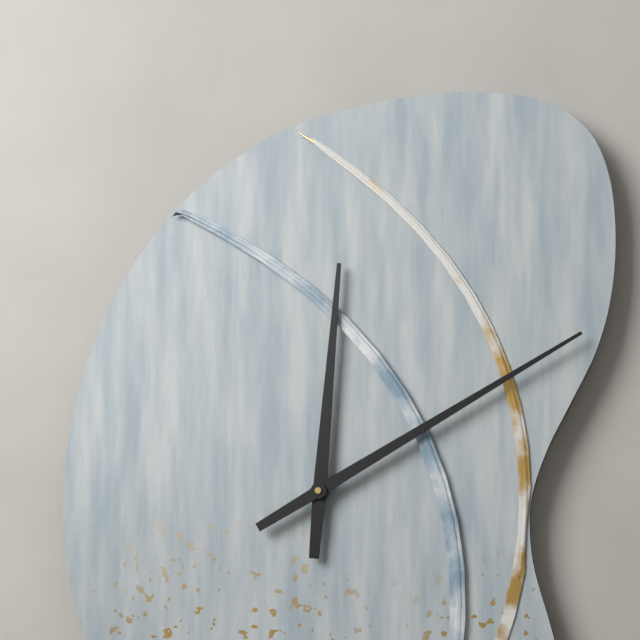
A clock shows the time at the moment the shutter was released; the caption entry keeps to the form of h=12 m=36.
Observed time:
h=12 m=10
